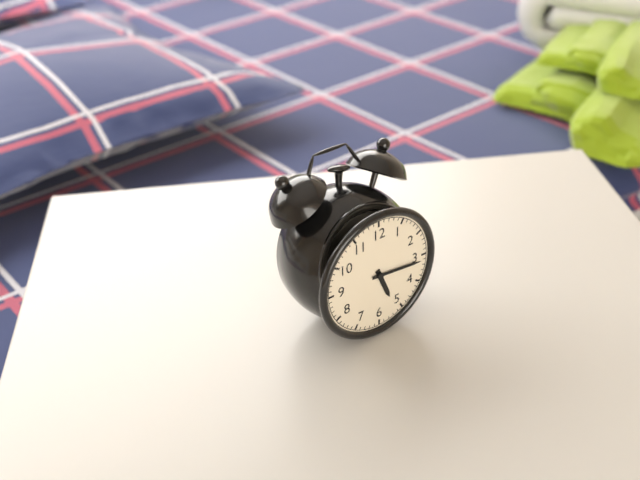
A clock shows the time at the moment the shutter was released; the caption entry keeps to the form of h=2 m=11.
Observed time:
h=5 m=16
